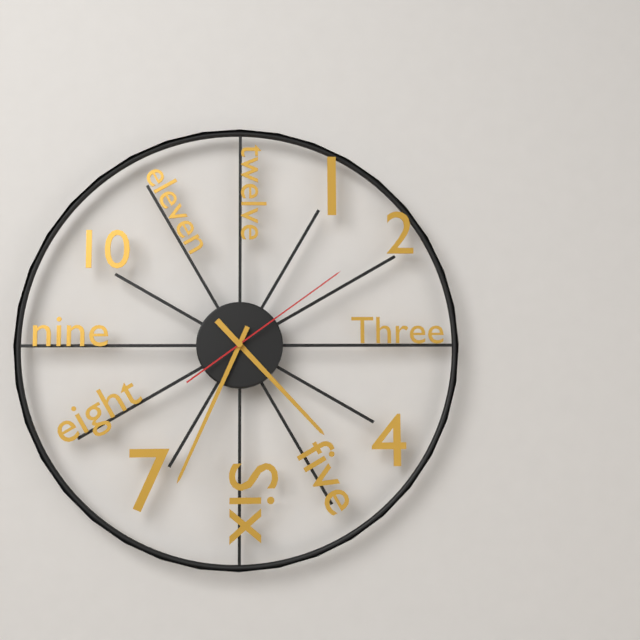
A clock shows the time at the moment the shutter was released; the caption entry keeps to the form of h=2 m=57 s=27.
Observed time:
h=4 m=34 s=9
